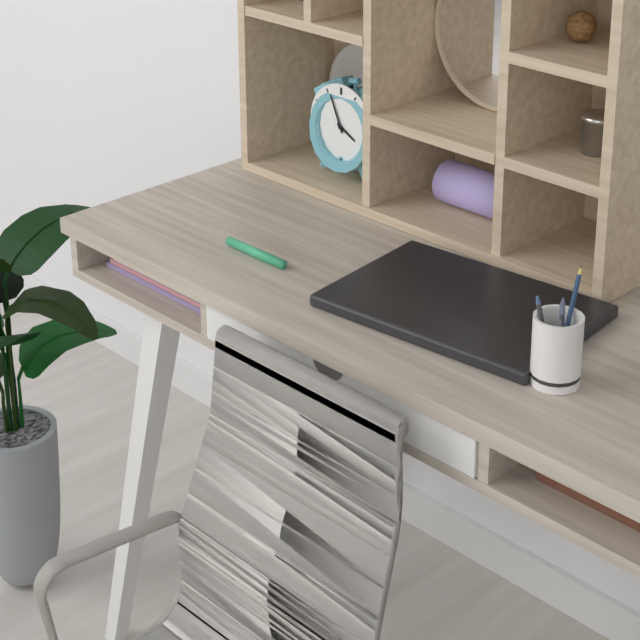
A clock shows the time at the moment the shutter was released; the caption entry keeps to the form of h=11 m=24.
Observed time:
h=3 m=56
